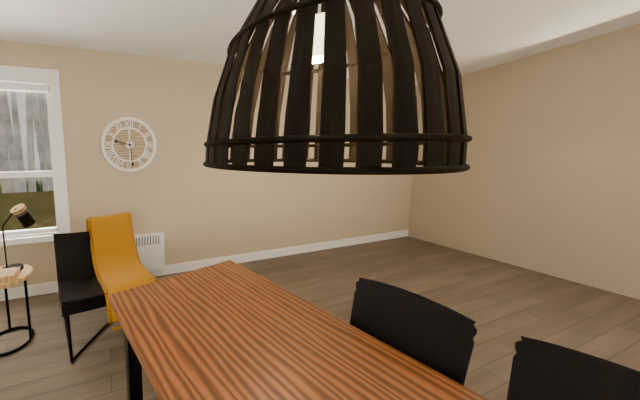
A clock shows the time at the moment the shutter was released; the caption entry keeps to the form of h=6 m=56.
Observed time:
h=9 m=29
